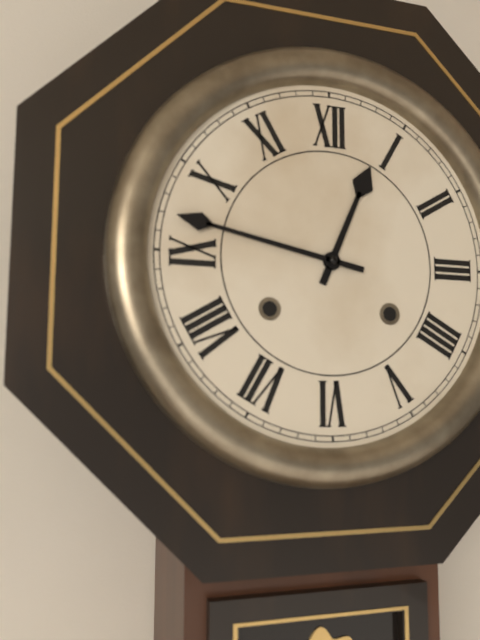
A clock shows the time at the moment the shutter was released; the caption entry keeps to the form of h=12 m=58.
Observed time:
h=12 m=47
